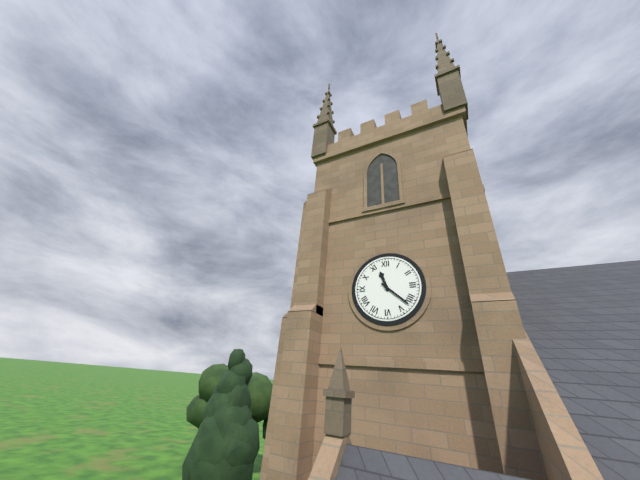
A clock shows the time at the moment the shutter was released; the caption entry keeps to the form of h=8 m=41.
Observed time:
h=11 m=22
